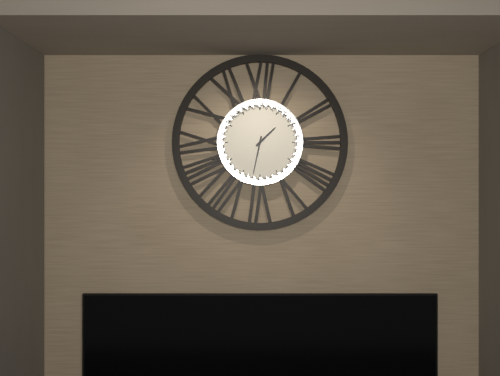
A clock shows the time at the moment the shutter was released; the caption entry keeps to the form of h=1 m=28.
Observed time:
h=1 m=32
